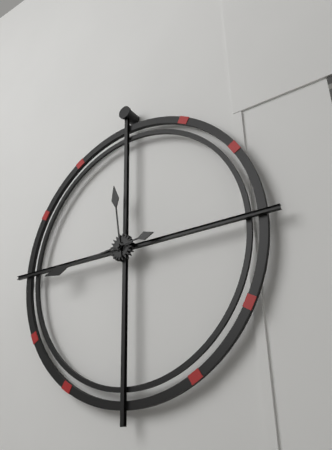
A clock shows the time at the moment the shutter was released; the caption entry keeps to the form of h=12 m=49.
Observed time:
h=11 m=44
